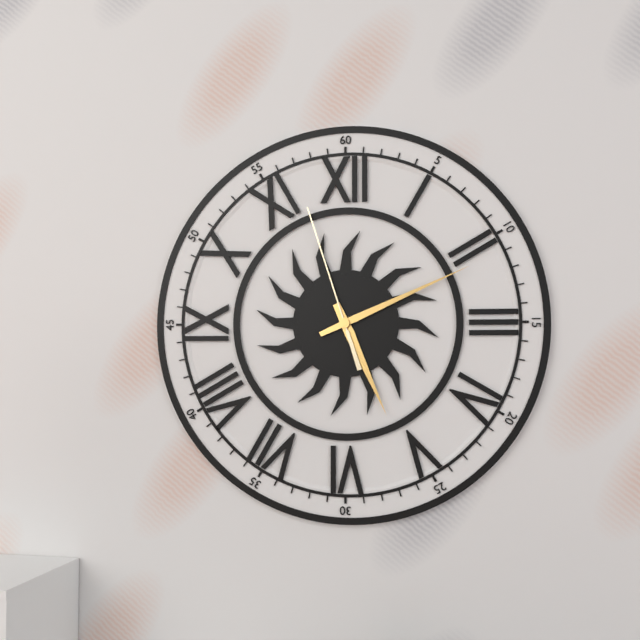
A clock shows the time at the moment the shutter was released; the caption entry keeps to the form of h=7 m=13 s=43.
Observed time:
h=5 m=11 s=57
